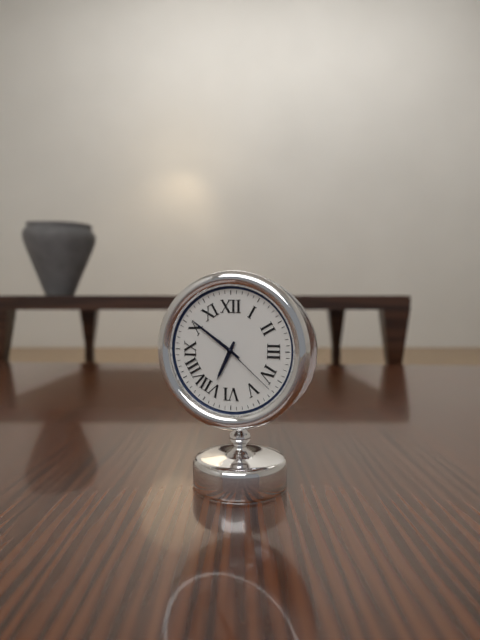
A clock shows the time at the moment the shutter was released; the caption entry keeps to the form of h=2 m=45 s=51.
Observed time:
h=6 m=51 s=22
